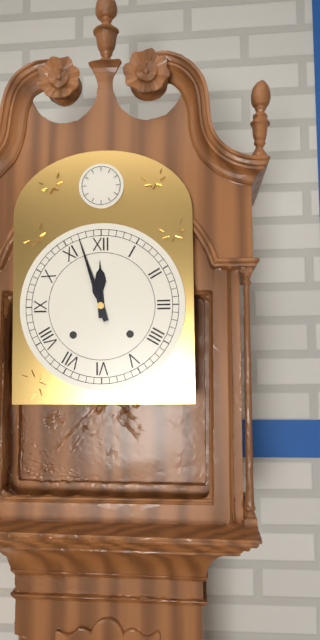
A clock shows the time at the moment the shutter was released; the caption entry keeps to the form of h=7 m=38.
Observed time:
h=11 m=57
